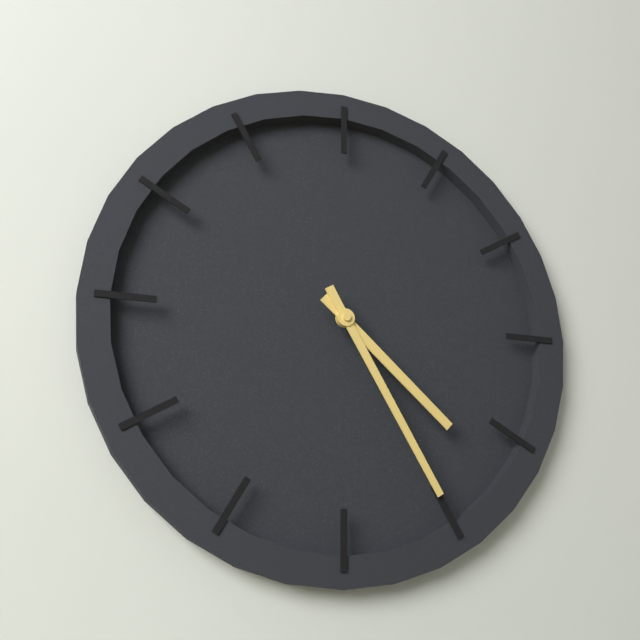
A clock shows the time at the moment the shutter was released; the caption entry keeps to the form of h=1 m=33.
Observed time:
h=4 m=25
